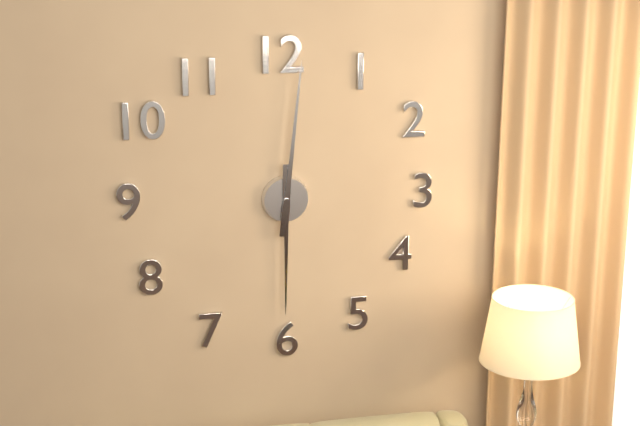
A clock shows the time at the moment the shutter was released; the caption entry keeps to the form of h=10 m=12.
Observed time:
h=6 m=1
